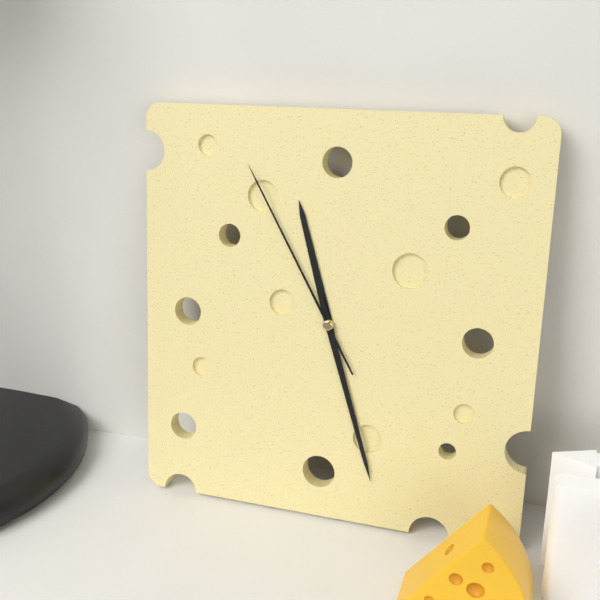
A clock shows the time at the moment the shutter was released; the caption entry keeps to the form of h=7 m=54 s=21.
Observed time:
h=11 m=27 s=55
